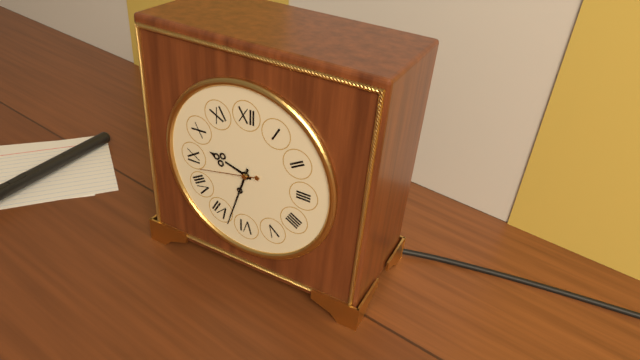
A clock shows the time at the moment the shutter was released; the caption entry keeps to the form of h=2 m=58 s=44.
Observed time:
h=9 m=33 s=43
